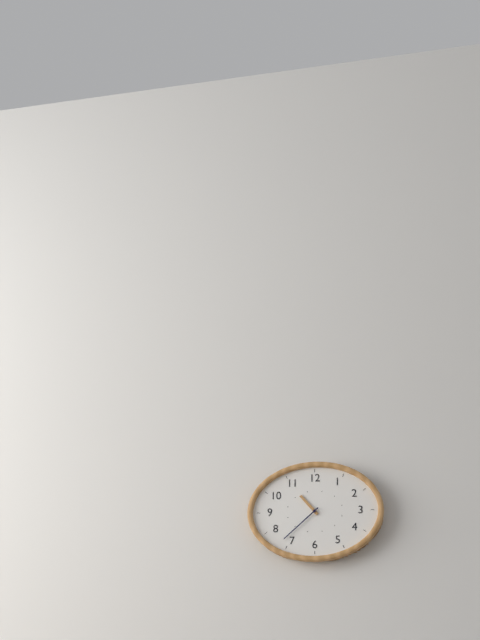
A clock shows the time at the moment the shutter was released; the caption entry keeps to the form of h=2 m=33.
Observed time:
h=10 m=38
